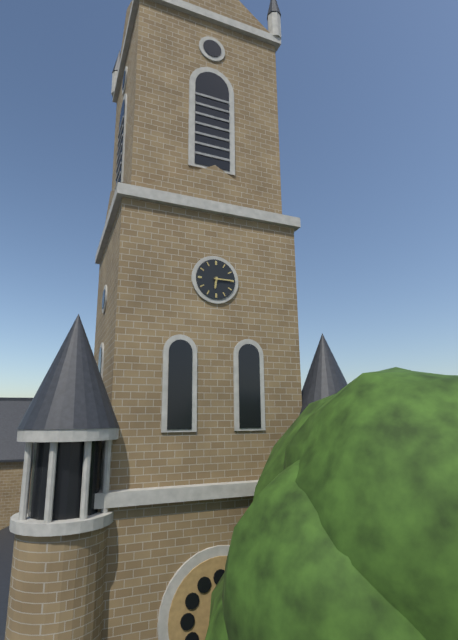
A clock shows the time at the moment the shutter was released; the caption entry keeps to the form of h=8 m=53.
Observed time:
h=6 m=15
